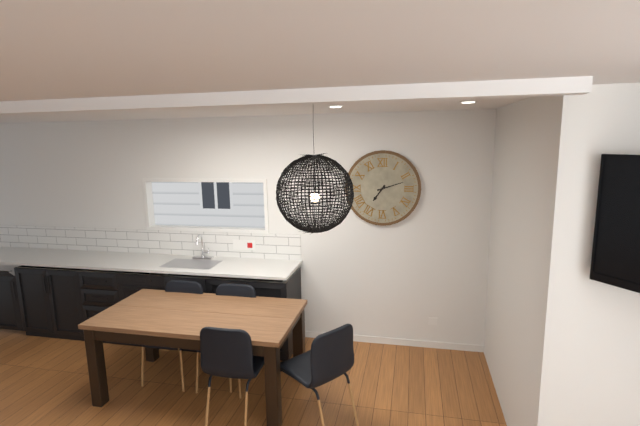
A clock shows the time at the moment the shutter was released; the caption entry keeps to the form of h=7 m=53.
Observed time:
h=7 m=12
